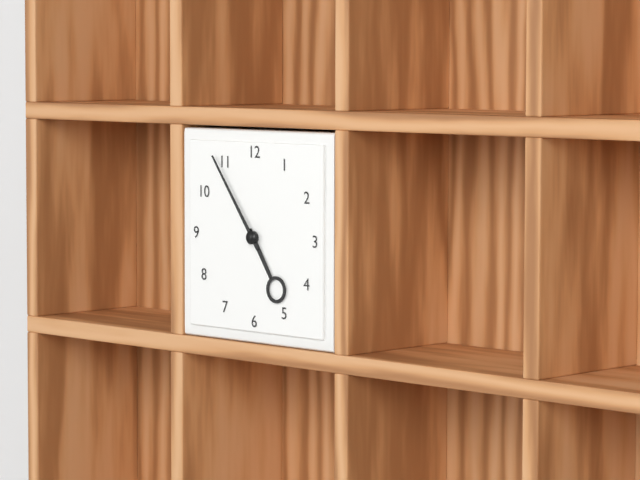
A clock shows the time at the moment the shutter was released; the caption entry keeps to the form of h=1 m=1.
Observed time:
h=4 m=54
